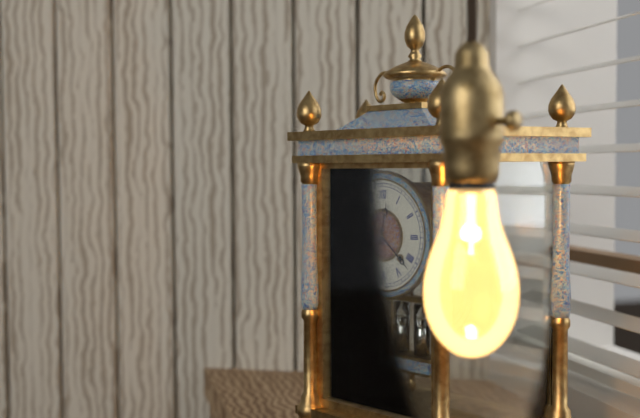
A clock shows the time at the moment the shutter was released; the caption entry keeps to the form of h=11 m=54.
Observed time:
h=12 m=22
